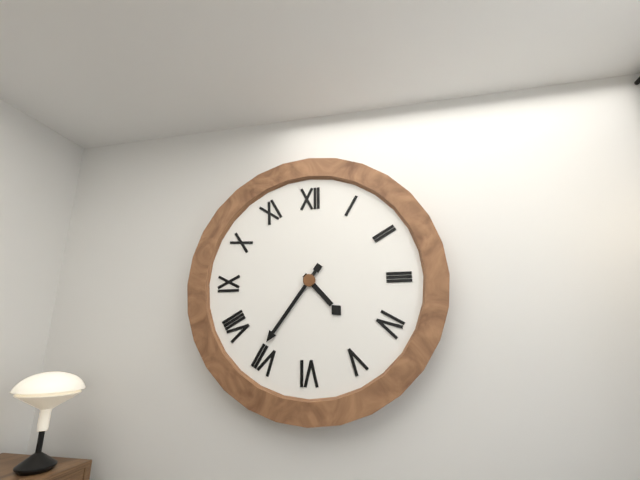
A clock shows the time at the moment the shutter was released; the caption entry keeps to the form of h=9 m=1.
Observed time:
h=4 m=36
